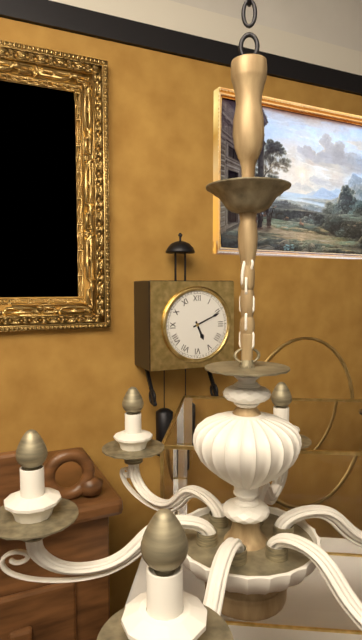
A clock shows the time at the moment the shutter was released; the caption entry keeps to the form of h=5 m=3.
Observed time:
h=5 m=11
